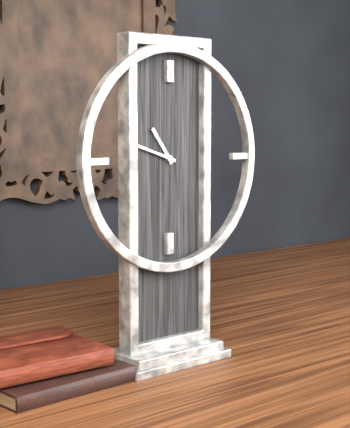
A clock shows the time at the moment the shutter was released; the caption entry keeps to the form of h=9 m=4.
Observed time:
h=10 m=48
